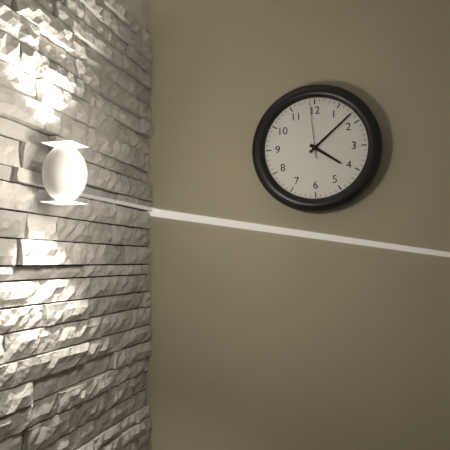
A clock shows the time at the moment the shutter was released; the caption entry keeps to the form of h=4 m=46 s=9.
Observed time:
h=4 m=8 s=59
